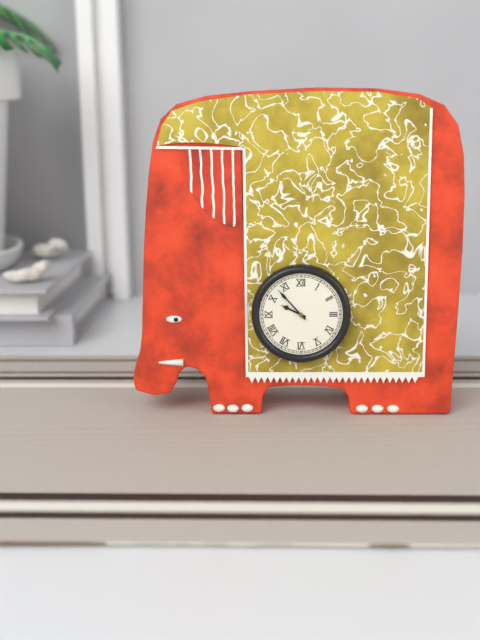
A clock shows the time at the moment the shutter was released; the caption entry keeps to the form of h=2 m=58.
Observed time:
h=9 m=53
